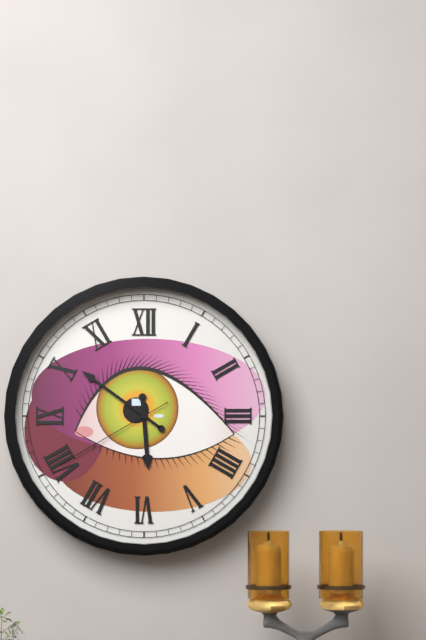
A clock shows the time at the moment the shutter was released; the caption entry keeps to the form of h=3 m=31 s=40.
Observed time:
h=5 m=51 s=40
